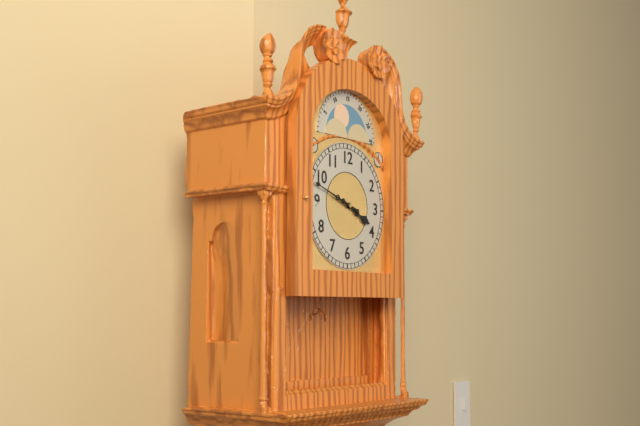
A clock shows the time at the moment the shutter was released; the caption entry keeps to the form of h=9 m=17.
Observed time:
h=3 m=48
